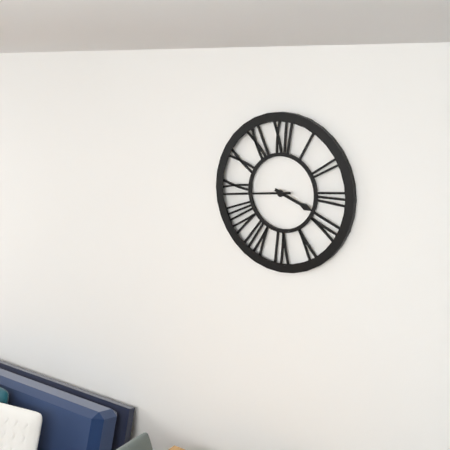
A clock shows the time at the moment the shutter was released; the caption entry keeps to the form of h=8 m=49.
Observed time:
h=3 m=44
